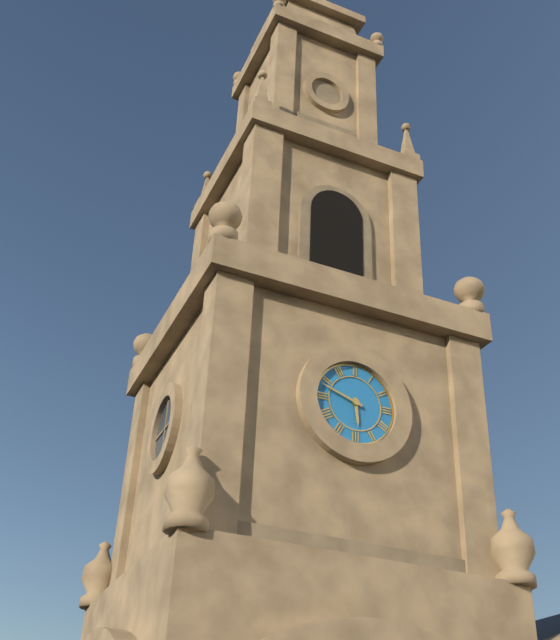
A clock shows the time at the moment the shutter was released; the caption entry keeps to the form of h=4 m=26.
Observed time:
h=5 m=48
